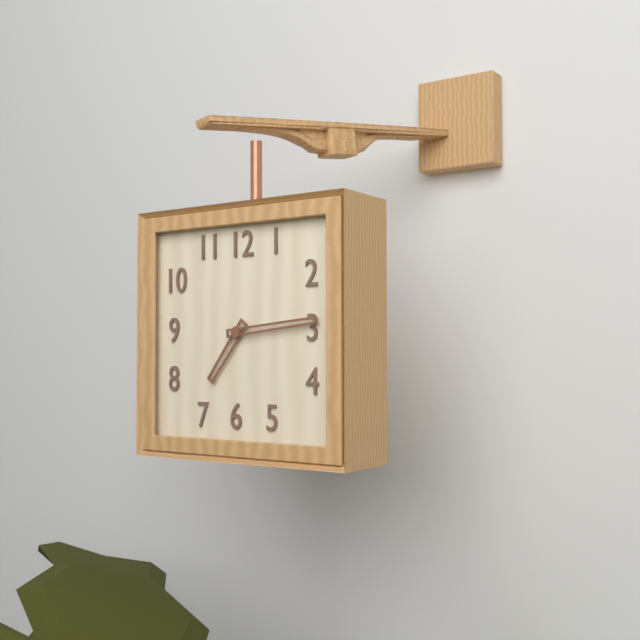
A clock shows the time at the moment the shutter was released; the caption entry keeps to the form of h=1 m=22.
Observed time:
h=7 m=14
